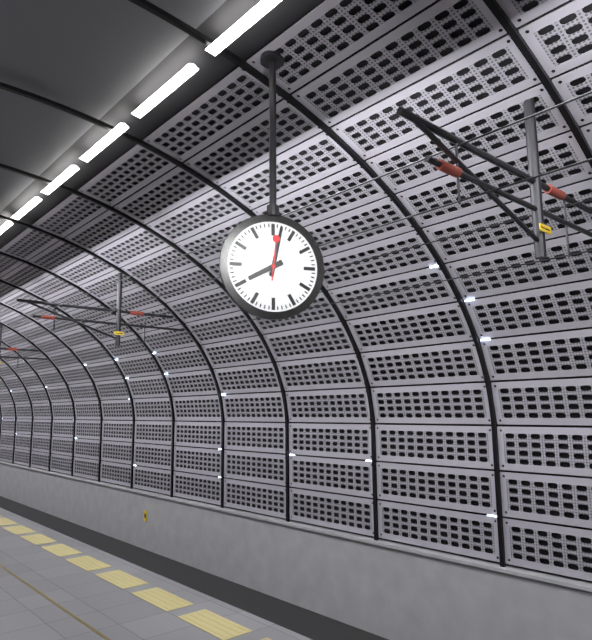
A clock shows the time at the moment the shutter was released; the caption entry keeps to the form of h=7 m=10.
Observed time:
h=8 m=2
